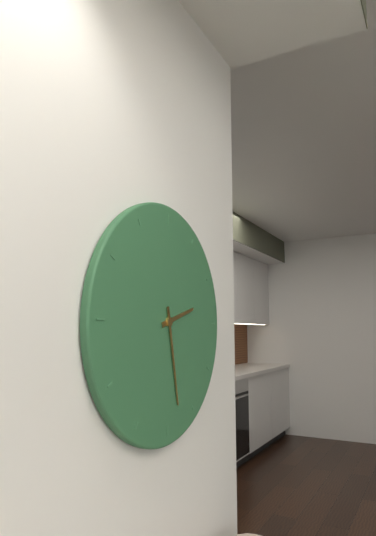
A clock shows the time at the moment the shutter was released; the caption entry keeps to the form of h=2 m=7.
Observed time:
h=2 m=28
